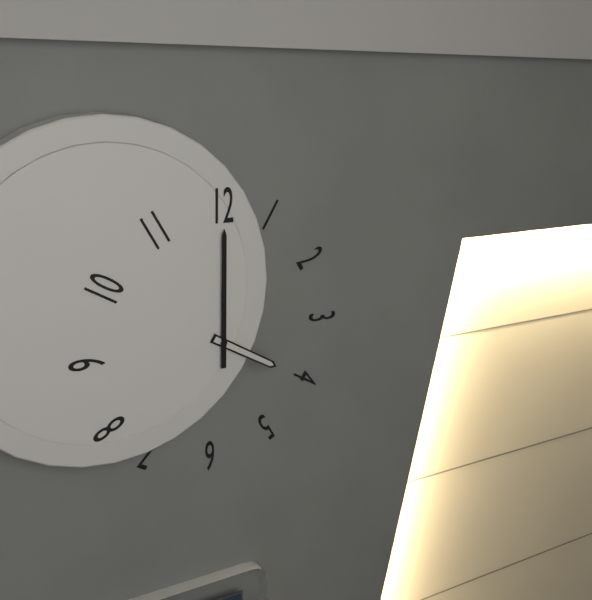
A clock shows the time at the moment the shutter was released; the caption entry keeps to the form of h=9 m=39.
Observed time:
h=4 m=0
